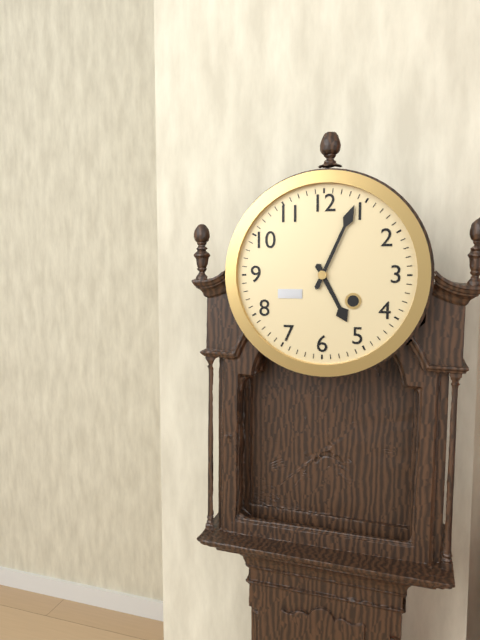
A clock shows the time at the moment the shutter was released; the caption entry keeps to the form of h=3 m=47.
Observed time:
h=5 m=4
